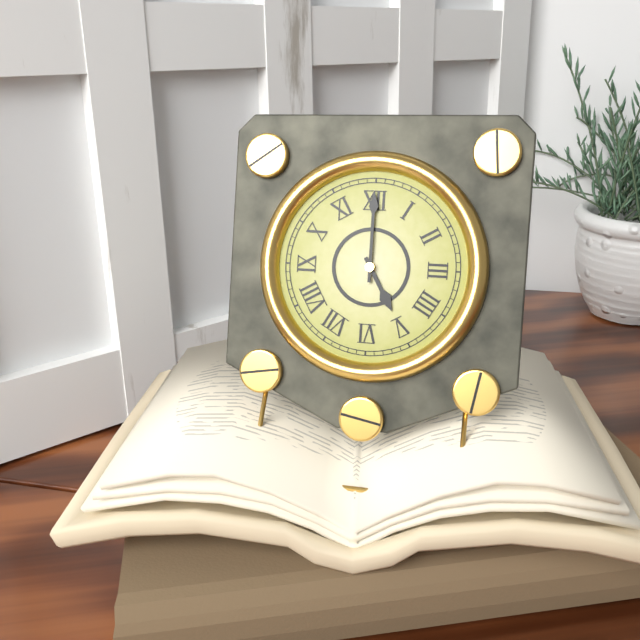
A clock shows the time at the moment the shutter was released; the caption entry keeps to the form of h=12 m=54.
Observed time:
h=5 m=0
